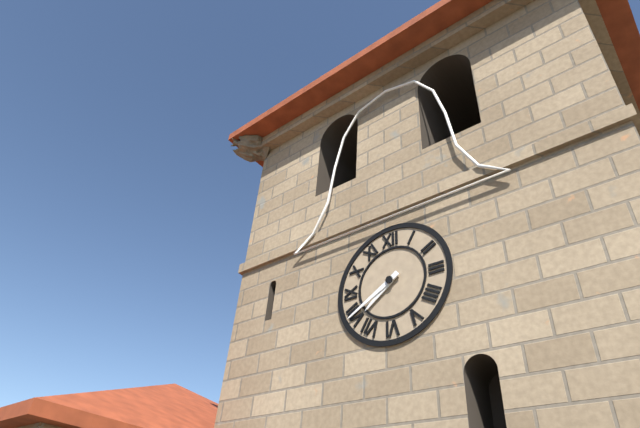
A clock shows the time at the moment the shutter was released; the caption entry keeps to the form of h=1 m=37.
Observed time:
h=7 m=40
